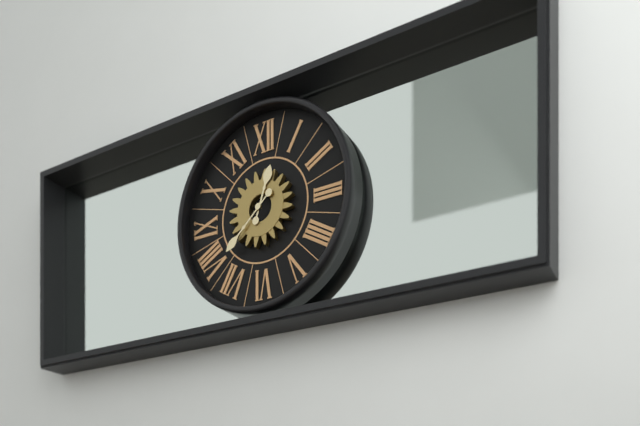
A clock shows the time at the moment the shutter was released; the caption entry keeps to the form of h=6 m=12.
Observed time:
h=12 m=38
